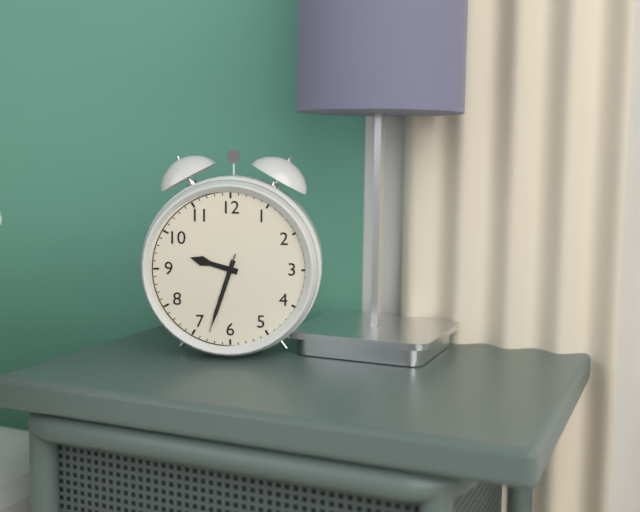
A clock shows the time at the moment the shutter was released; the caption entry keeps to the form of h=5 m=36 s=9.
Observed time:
h=9 m=33 s=33
